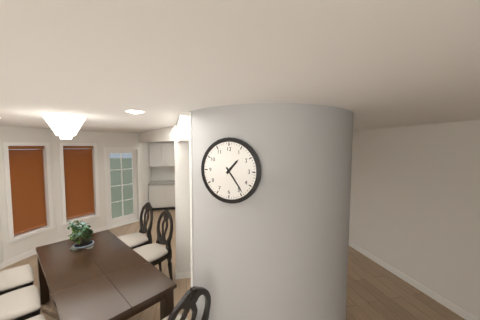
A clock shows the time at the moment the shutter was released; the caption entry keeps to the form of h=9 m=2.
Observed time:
h=1 m=24
